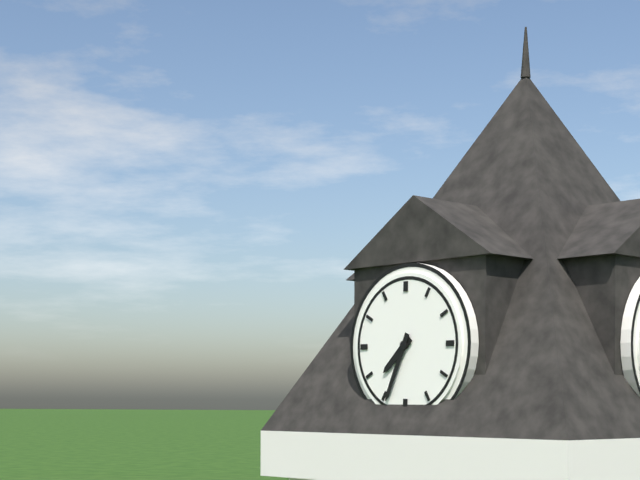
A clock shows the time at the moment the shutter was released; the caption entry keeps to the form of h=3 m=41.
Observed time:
h=7 m=34
